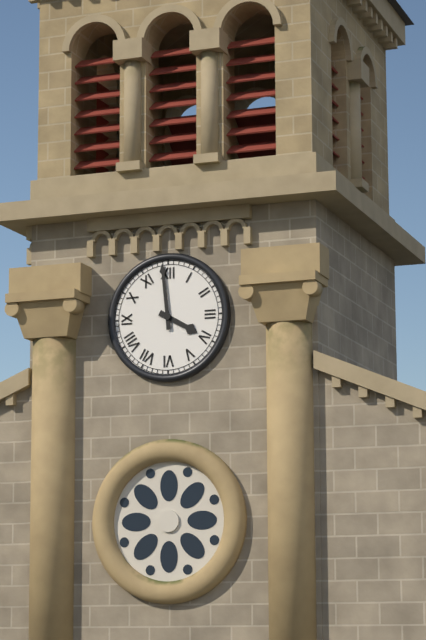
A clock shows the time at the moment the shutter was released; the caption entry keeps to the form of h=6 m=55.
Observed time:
h=3 m=59
